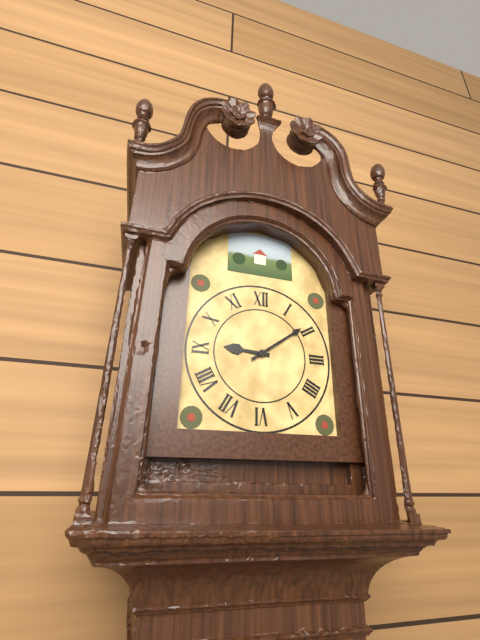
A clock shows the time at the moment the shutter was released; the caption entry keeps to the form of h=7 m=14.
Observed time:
h=9 m=9
